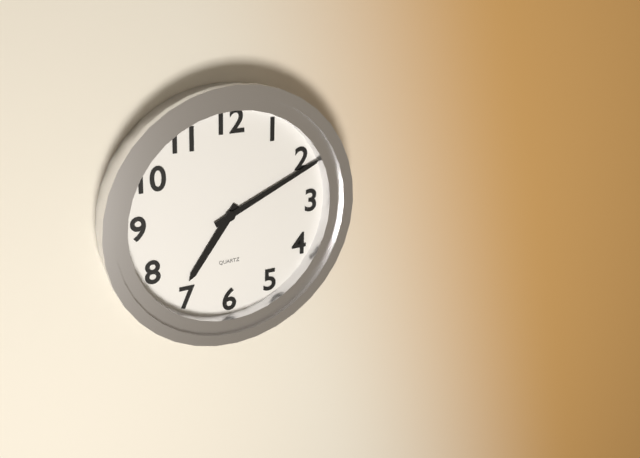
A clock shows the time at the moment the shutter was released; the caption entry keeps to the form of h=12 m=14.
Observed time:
h=7 m=11
